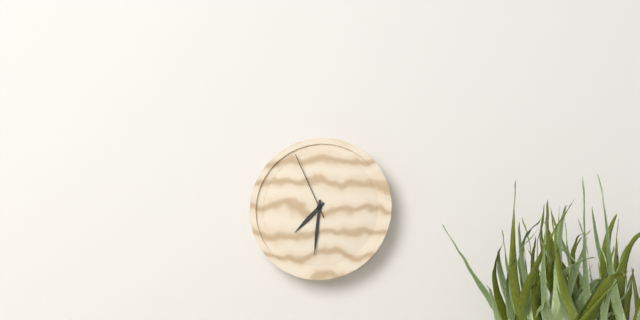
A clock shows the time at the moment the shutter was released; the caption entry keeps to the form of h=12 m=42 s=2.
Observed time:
h=7 m=31 s=56
